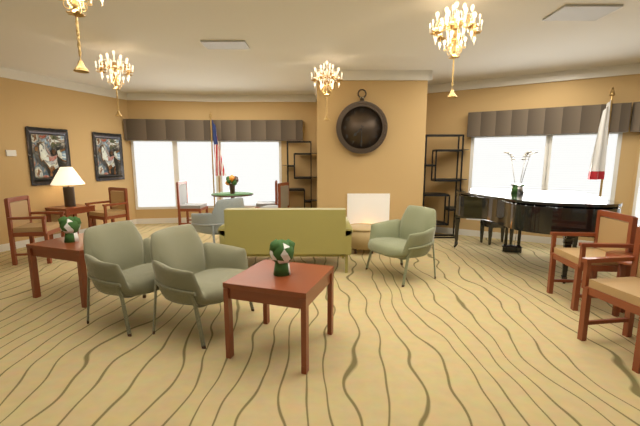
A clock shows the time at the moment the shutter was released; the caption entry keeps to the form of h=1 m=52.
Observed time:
h=7 m=30
